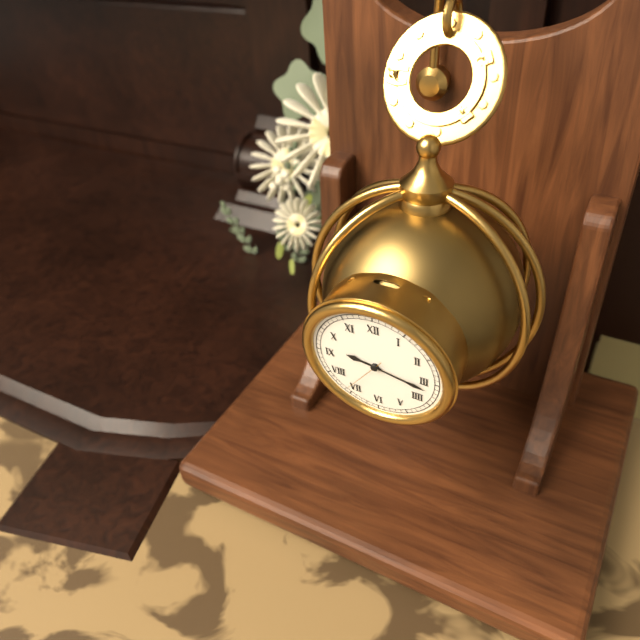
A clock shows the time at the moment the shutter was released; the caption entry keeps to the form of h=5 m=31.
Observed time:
h=9 m=17
